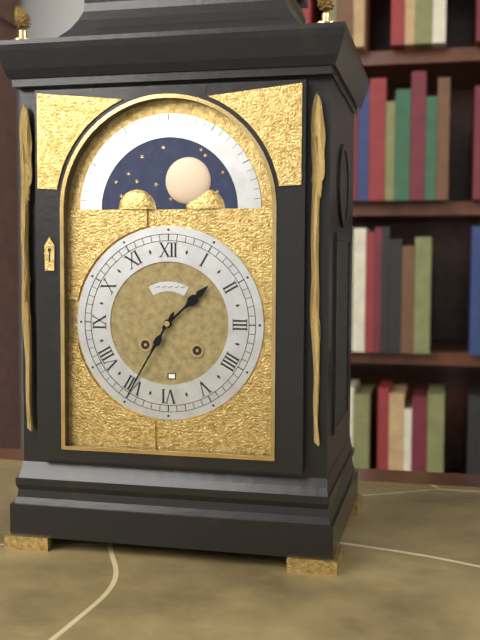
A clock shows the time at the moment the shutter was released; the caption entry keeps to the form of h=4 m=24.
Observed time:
h=1 m=35
